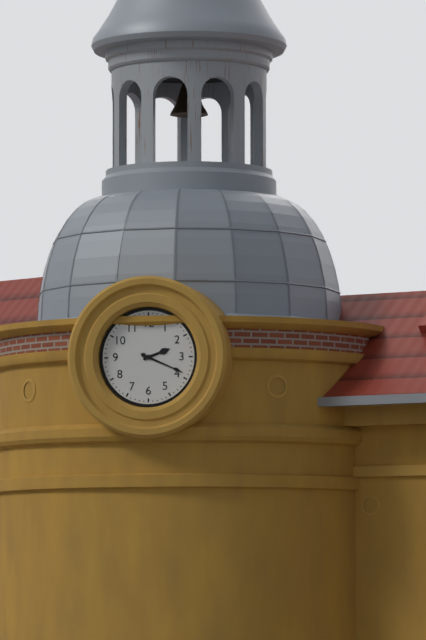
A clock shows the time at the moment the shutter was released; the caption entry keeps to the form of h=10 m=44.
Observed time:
h=2 m=19
